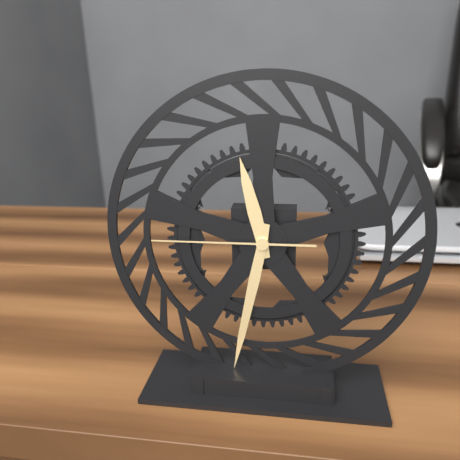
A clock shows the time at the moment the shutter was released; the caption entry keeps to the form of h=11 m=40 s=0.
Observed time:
h=11 m=32 s=45
